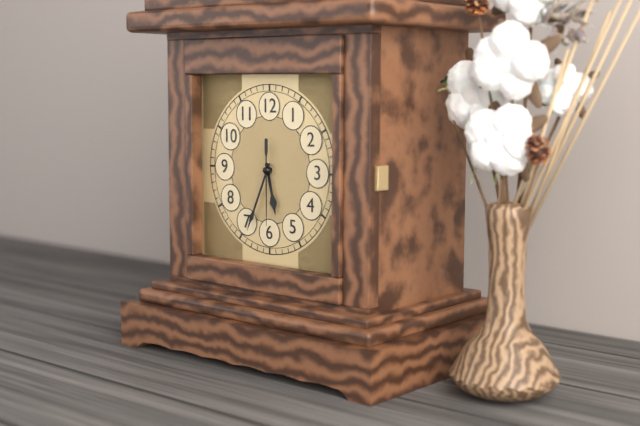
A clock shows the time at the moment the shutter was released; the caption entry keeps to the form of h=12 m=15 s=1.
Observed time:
h=5 m=34 s=30
